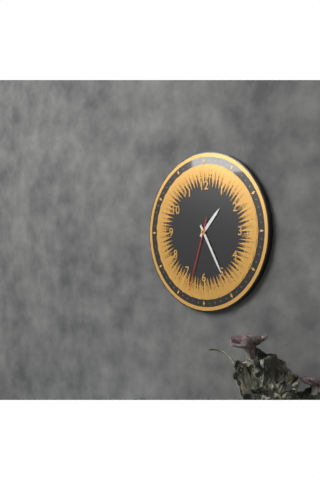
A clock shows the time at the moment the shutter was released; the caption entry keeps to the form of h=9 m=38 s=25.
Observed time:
h=1 m=25 s=33
